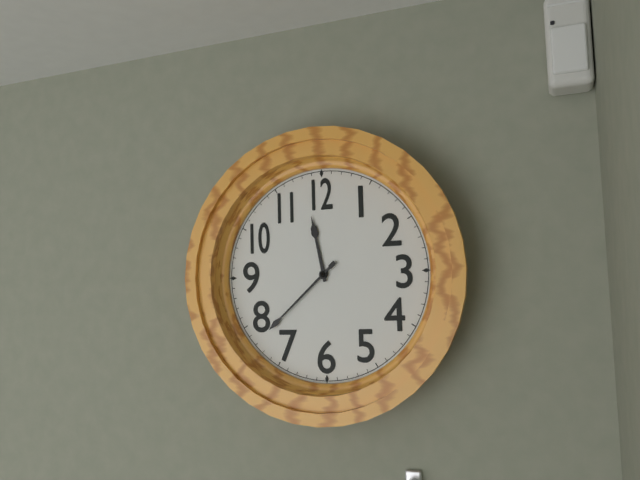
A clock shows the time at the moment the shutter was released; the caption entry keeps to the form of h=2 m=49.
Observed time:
h=11 m=38
